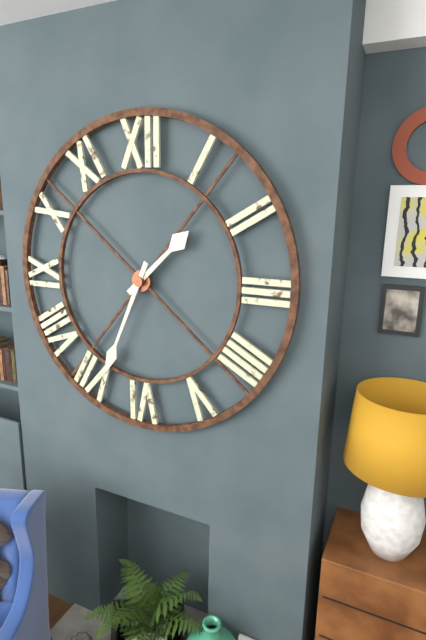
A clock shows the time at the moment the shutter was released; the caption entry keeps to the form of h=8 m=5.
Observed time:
h=1 m=34
